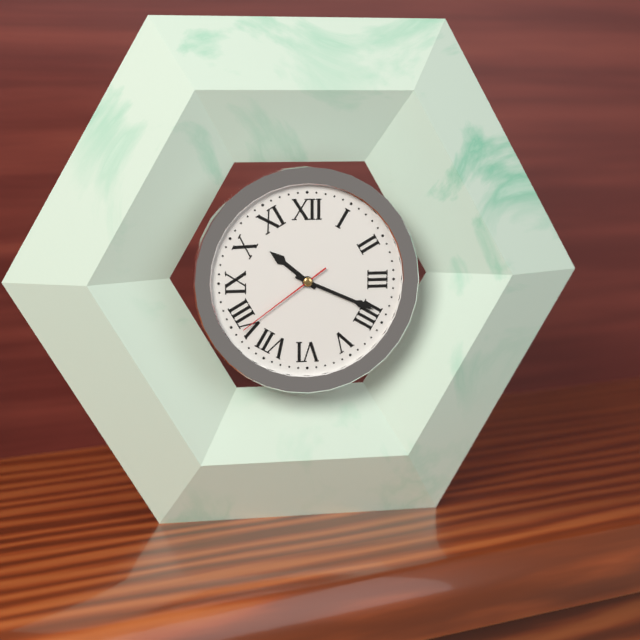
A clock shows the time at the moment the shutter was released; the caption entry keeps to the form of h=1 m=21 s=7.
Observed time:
h=10 m=19 s=39
